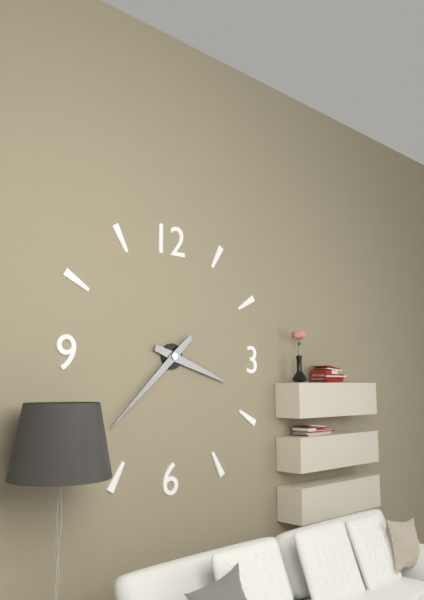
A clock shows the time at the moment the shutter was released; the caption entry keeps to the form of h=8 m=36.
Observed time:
h=3 m=38
